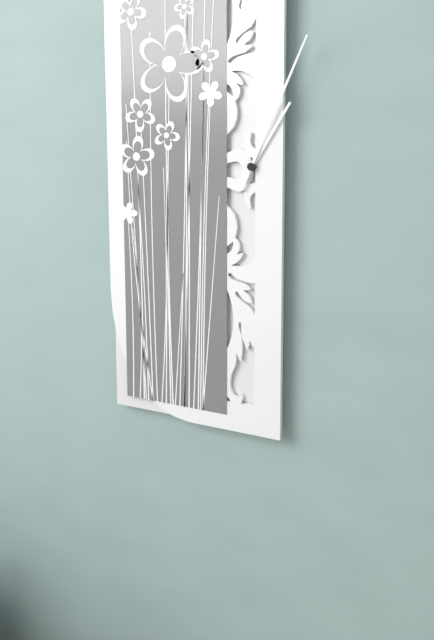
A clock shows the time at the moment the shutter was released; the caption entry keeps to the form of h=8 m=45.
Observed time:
h=1 m=4
